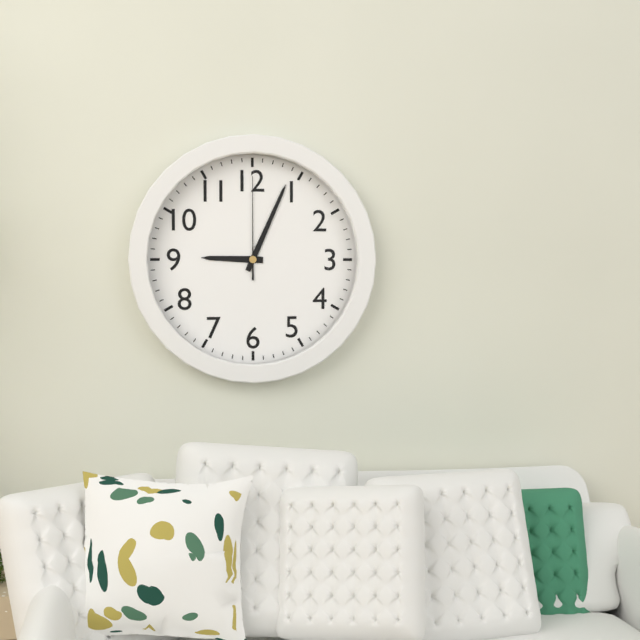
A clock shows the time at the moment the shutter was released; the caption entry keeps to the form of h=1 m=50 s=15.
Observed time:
h=9 m=4 s=0
